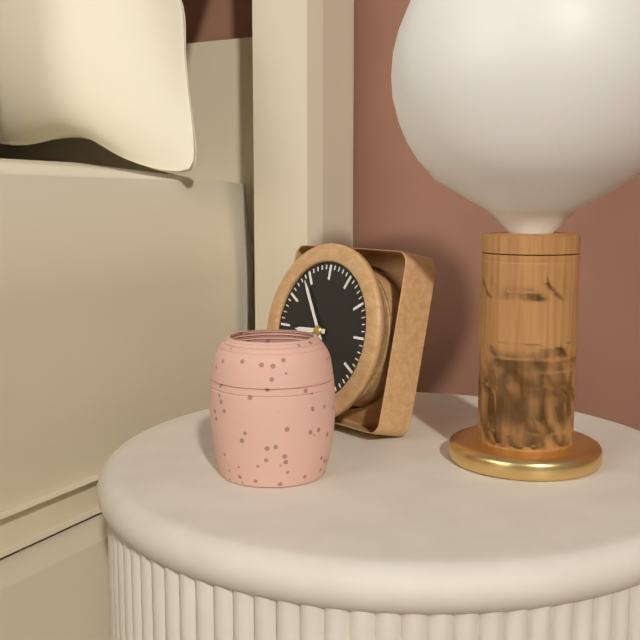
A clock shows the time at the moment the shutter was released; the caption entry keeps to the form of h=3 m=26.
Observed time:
h=8 m=54
